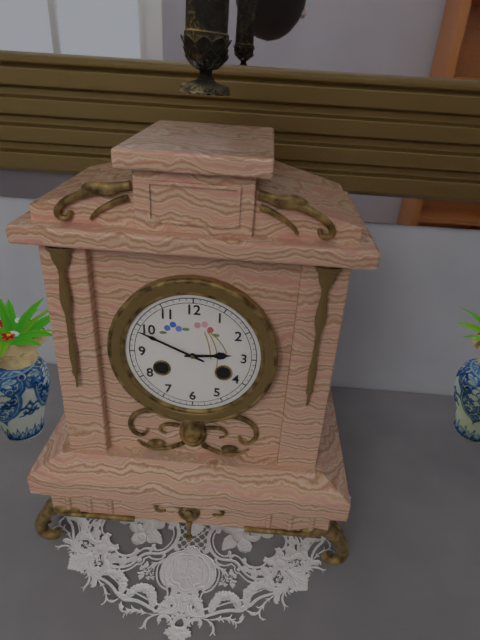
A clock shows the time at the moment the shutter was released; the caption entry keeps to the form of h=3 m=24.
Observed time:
h=2 m=49
